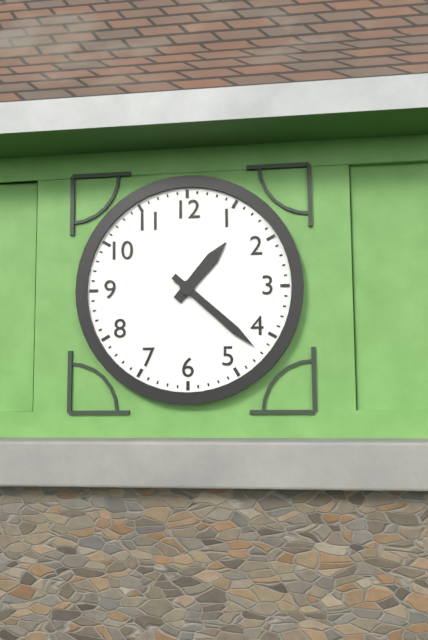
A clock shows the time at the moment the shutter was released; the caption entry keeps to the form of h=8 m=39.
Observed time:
h=1 m=22
